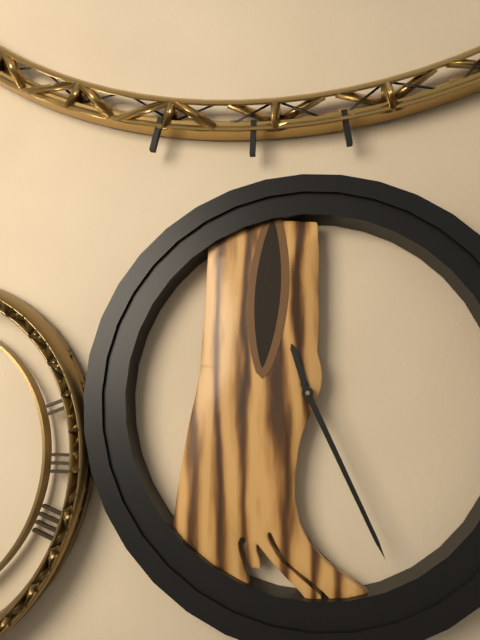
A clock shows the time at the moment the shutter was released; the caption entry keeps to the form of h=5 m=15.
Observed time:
h=11 m=26
